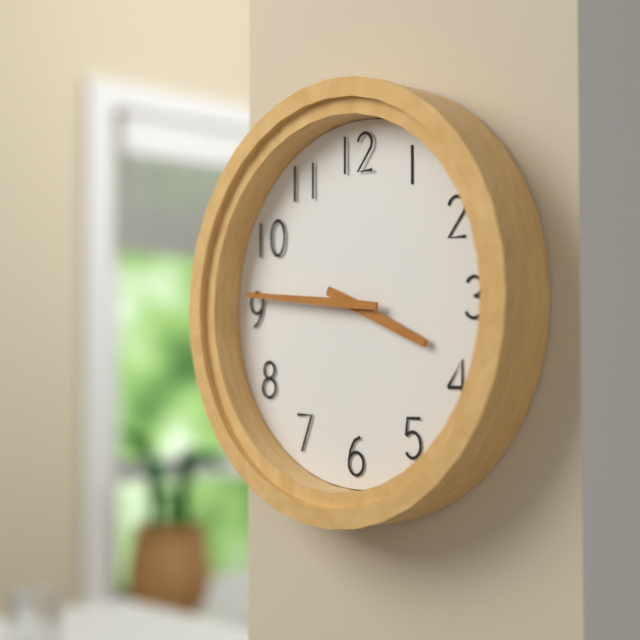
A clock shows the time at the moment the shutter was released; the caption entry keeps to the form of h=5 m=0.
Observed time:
h=3 m=46
